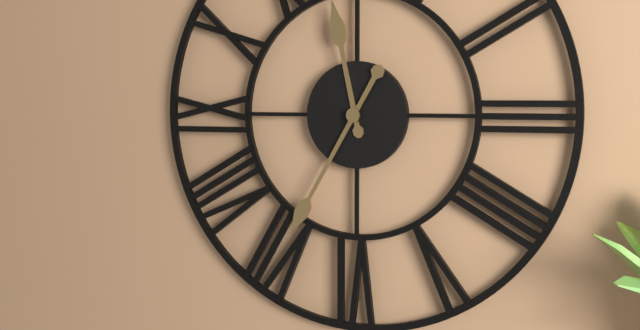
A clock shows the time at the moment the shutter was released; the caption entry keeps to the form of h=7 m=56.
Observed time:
h=11 m=35
